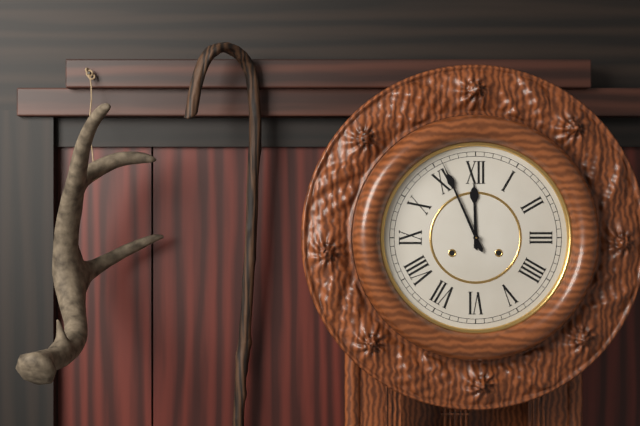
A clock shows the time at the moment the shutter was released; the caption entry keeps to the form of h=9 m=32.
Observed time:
h=11 m=56
